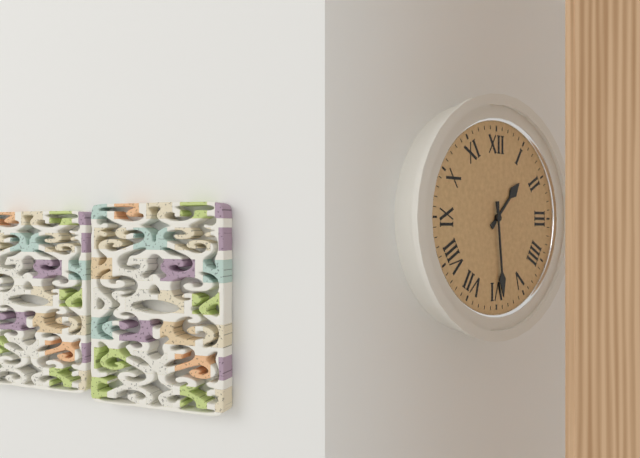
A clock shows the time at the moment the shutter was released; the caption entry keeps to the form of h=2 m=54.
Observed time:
h=1 m=29
